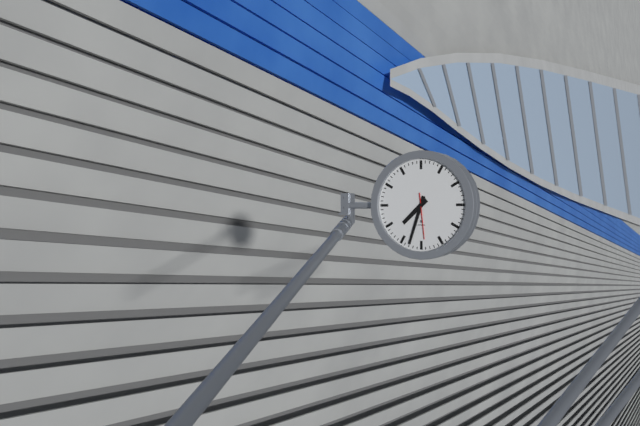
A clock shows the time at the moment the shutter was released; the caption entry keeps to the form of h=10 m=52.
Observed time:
h=7 m=33
